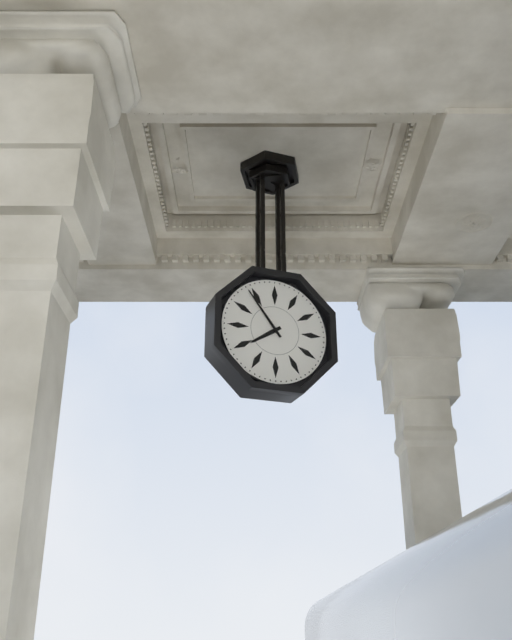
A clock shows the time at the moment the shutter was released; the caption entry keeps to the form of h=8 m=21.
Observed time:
h=7 m=54
